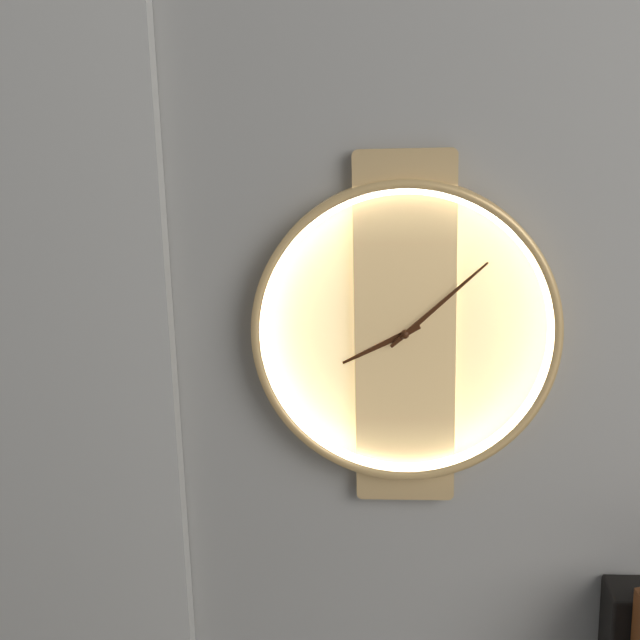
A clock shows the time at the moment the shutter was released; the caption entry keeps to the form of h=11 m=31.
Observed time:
h=8 m=8
